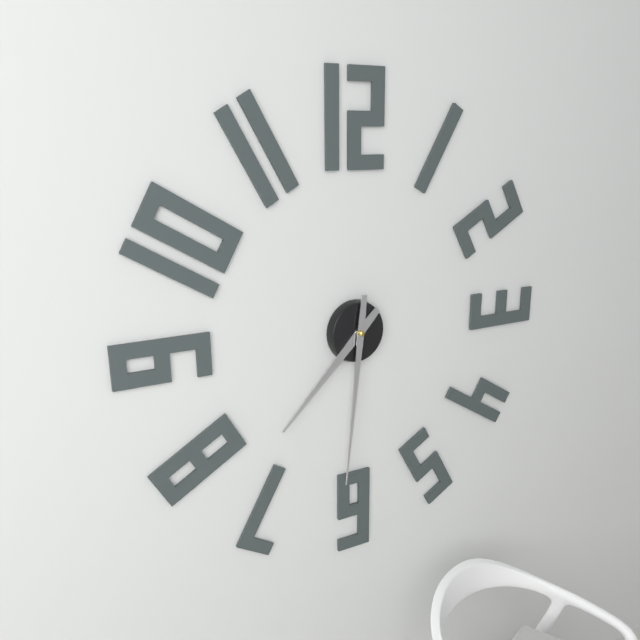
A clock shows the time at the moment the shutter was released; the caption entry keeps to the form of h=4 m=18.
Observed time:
h=7 m=31
